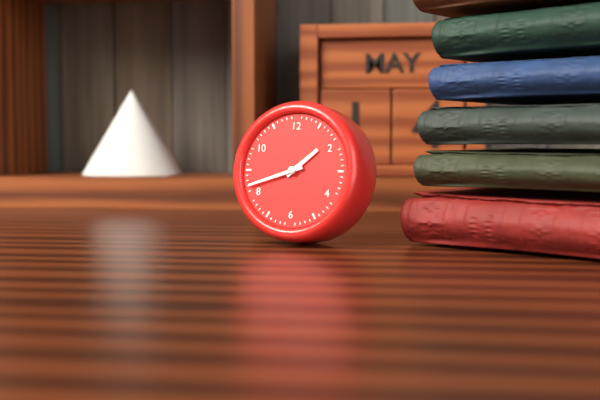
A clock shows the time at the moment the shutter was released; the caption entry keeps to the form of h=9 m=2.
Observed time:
h=1 m=42
